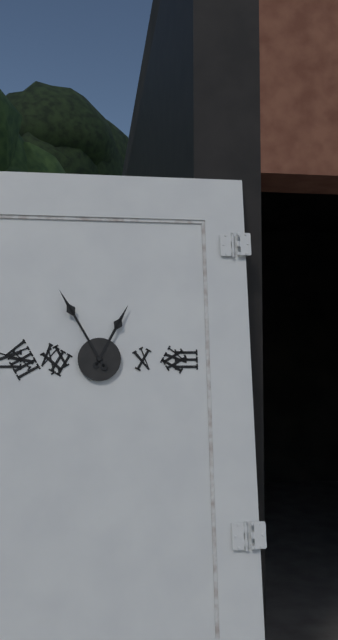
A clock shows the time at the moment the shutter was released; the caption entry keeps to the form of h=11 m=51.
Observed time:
h=12 m=55
